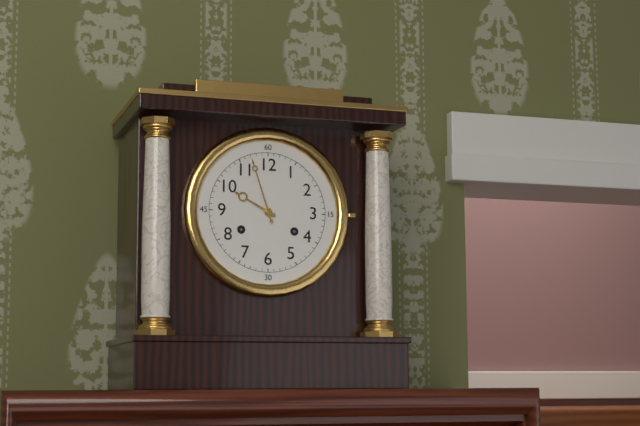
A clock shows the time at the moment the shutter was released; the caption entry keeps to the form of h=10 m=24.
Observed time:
h=9 m=57
